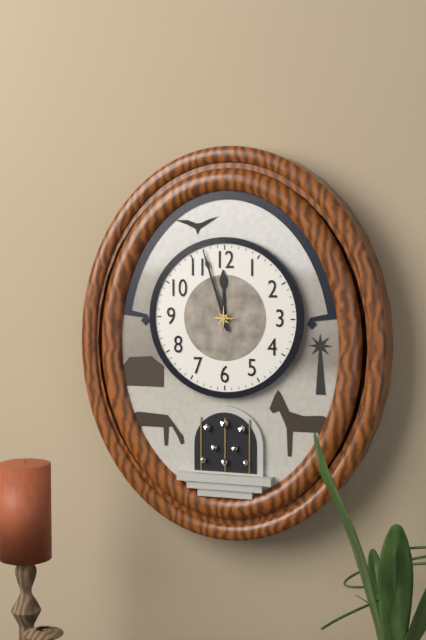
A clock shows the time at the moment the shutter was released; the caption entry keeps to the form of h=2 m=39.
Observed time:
h=11 m=57
